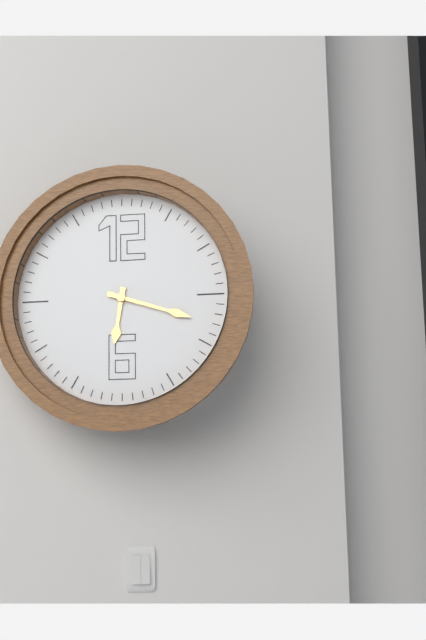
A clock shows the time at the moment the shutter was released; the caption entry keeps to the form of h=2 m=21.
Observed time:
h=6 m=18
